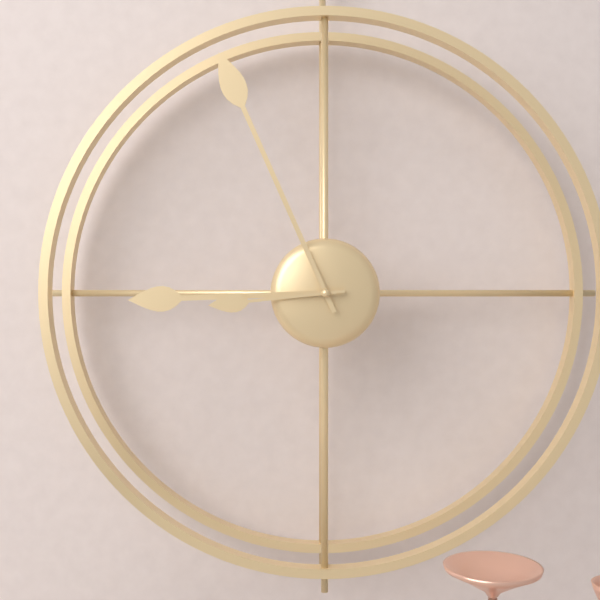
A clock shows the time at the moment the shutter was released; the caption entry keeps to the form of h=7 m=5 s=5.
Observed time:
h=8 m=56 s=44
